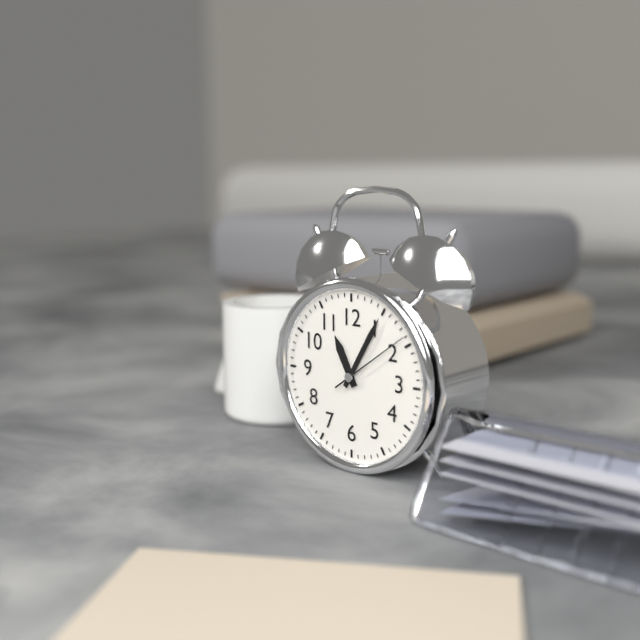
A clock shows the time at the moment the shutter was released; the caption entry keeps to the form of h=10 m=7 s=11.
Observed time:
h=11 m=5 s=9
